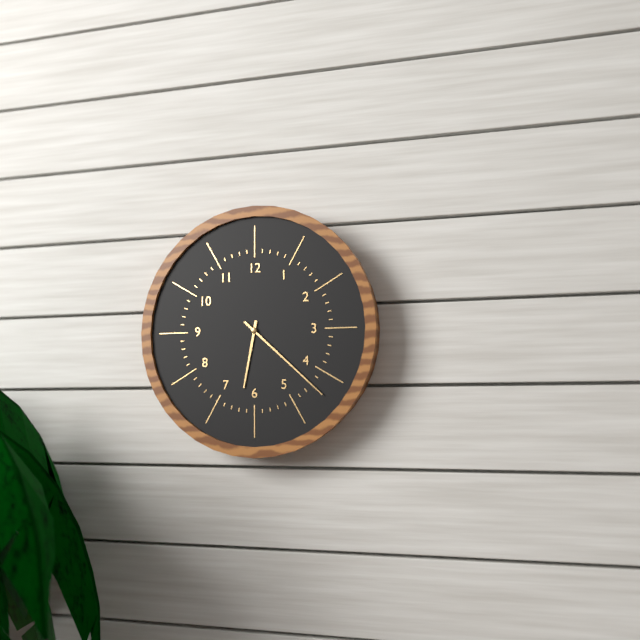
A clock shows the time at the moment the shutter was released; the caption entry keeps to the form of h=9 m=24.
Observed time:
h=6 m=22
